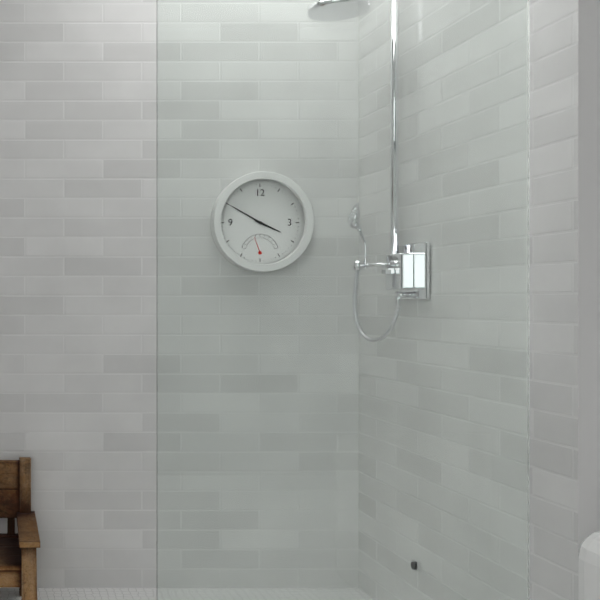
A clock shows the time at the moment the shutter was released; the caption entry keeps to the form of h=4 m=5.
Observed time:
h=3 m=50
